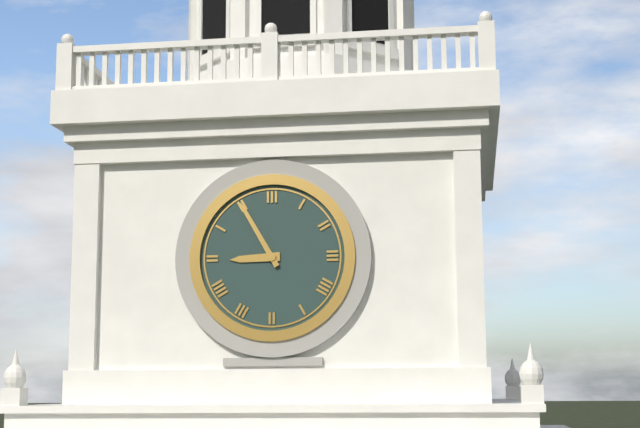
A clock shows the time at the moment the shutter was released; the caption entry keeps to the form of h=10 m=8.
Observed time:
h=8 m=55
